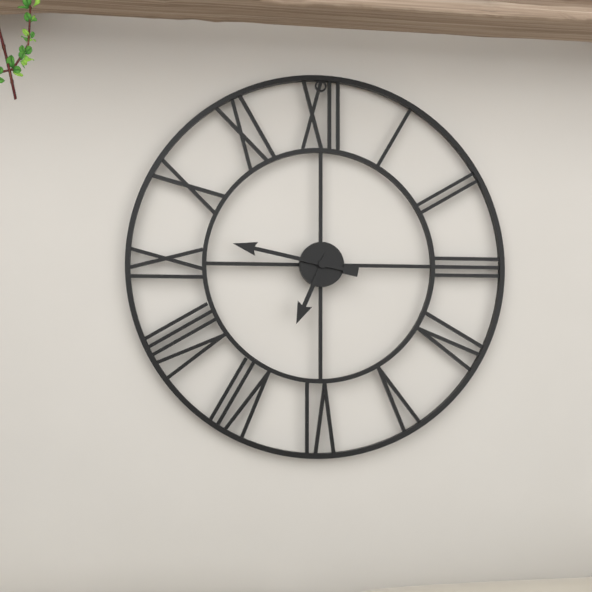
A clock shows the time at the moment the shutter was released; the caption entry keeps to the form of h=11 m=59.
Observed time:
h=6 m=47
